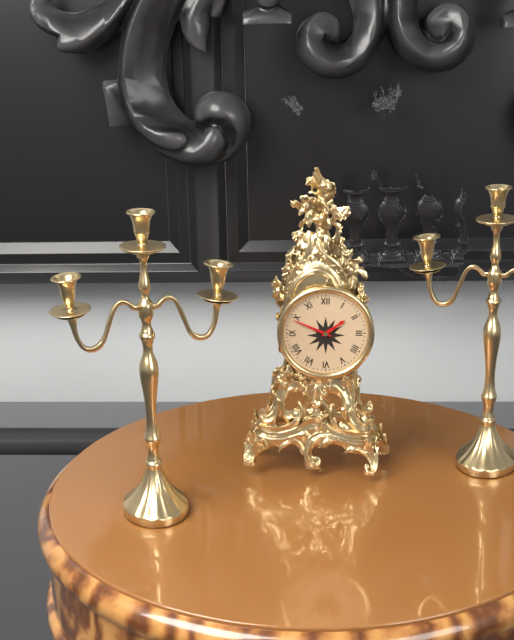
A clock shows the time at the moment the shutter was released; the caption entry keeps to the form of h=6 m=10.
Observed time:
h=1 m=49
